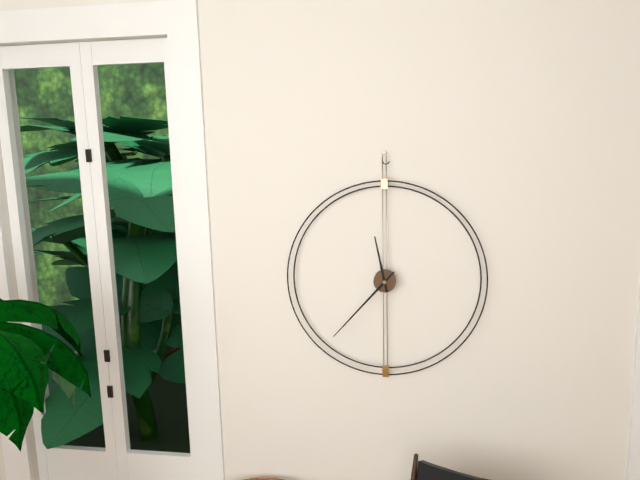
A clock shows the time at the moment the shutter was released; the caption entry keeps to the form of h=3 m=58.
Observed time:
h=11 m=37
